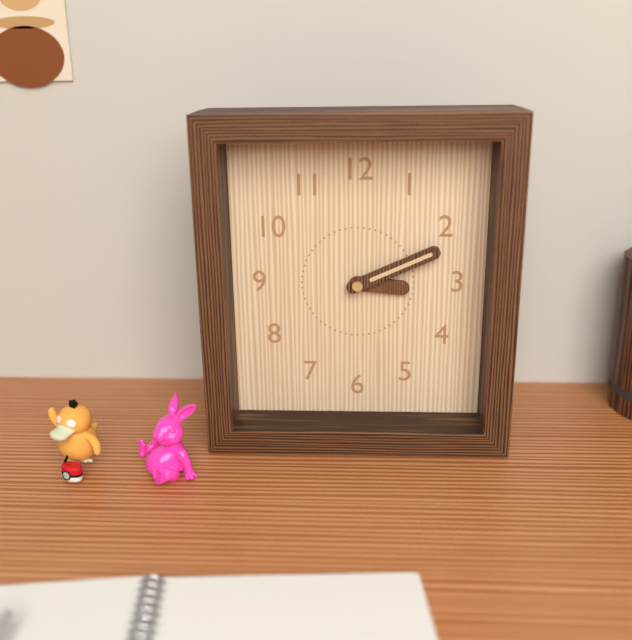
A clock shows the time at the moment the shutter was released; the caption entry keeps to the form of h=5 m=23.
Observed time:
h=3 m=11
